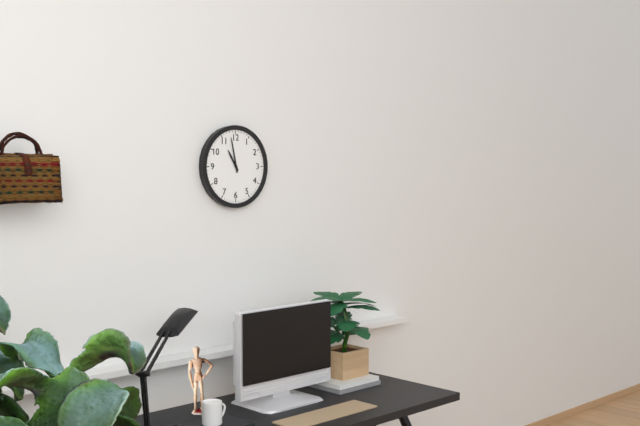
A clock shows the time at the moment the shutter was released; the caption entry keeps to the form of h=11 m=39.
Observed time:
h=10 m=58
